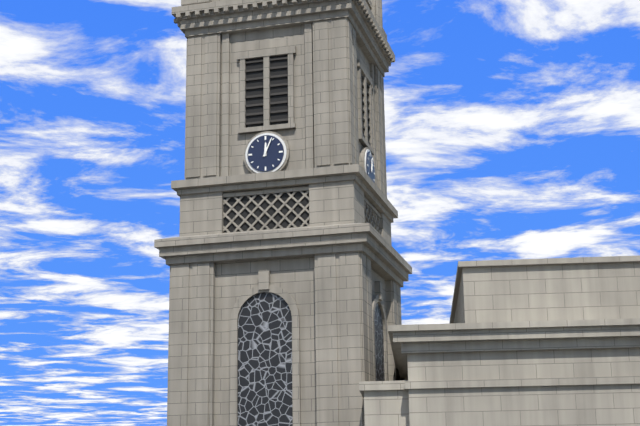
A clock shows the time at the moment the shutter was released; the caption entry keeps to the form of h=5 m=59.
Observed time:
h=12 m=4
